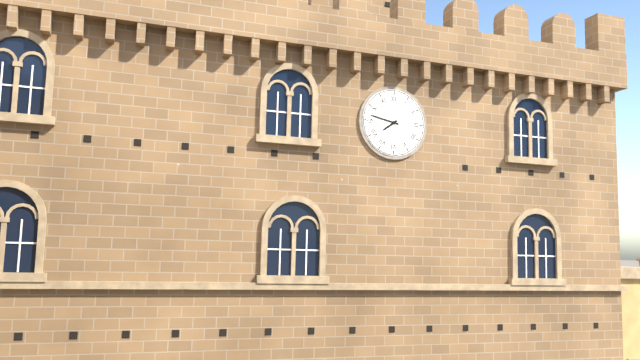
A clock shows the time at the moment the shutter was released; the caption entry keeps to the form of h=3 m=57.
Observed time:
h=7 m=47
